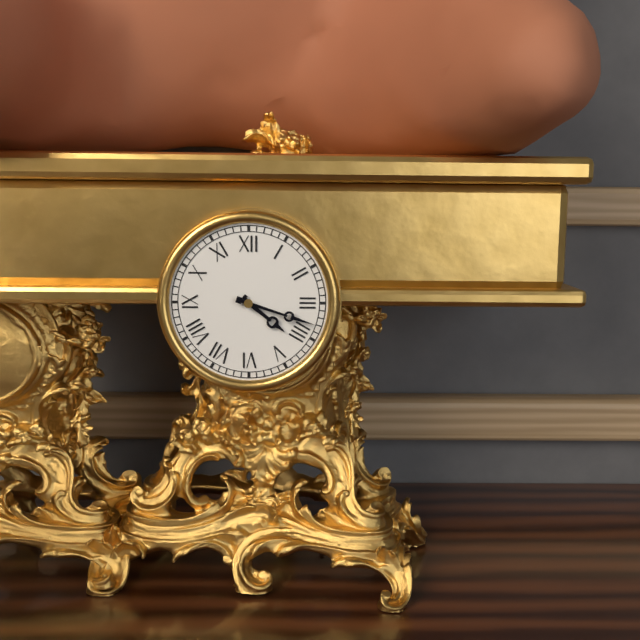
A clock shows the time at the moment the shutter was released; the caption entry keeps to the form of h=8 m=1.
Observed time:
h=4 m=18
